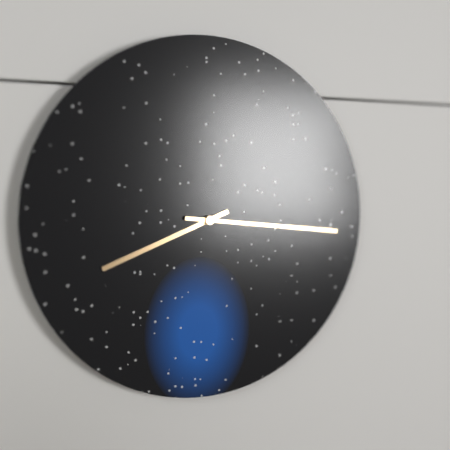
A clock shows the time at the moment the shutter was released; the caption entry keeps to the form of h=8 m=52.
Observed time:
h=8 m=16
